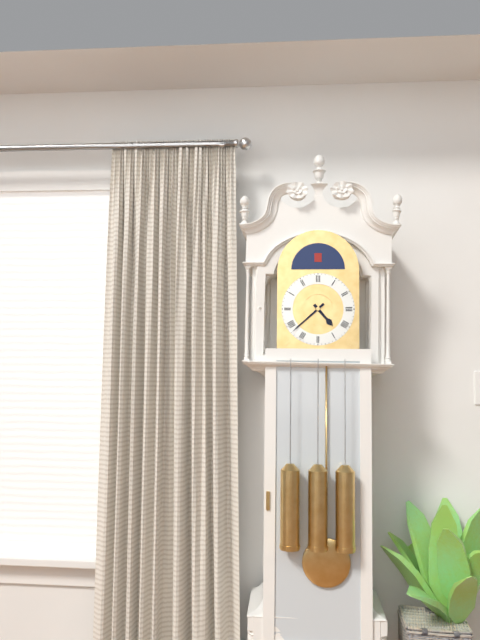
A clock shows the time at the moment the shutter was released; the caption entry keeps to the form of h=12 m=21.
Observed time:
h=4 m=38
